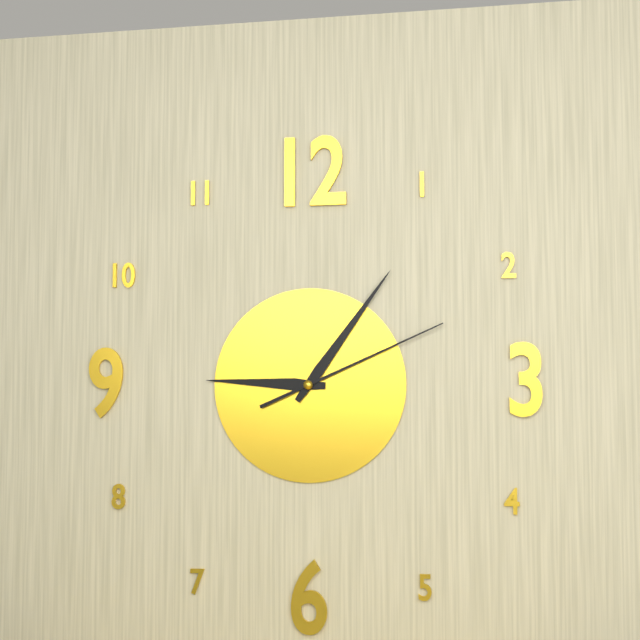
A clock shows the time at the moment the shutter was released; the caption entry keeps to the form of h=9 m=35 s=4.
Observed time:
h=9 m=6 s=11
